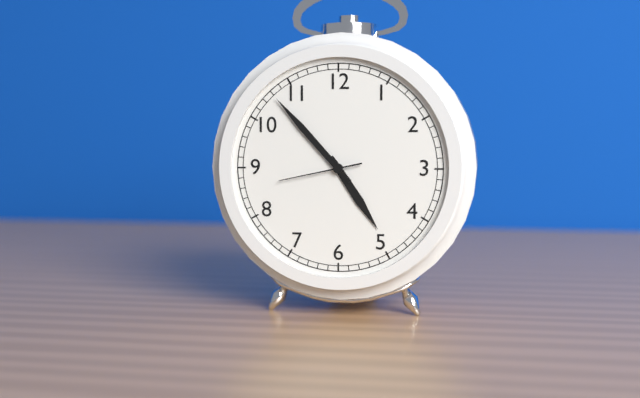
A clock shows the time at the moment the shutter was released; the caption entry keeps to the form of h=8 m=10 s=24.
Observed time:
h=4 m=53 s=43
